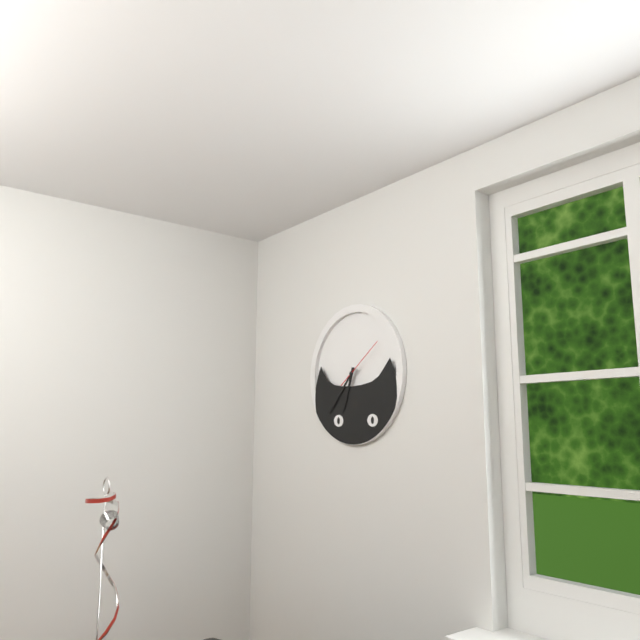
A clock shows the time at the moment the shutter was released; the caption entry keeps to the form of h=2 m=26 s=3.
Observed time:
h=6 m=37 s=9
